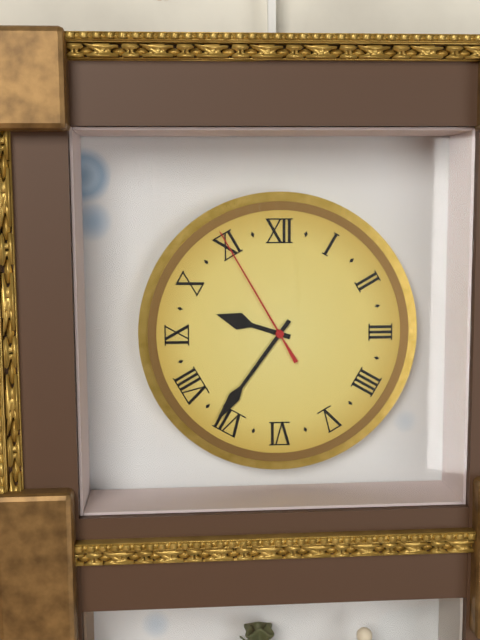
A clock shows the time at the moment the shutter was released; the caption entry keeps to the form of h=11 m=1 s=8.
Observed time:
h=9 m=36 s=55
